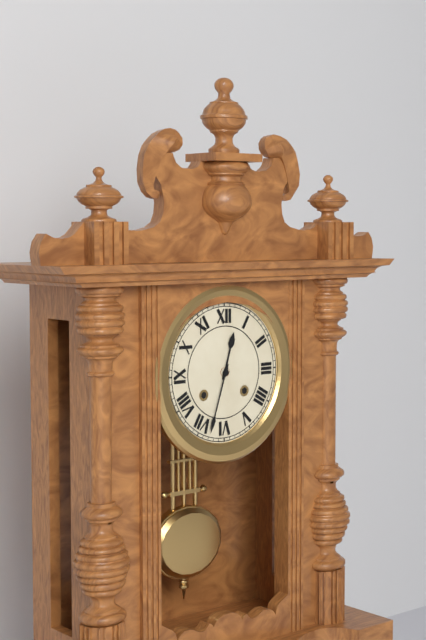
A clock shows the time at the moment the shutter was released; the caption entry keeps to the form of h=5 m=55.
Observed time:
h=12 m=33
